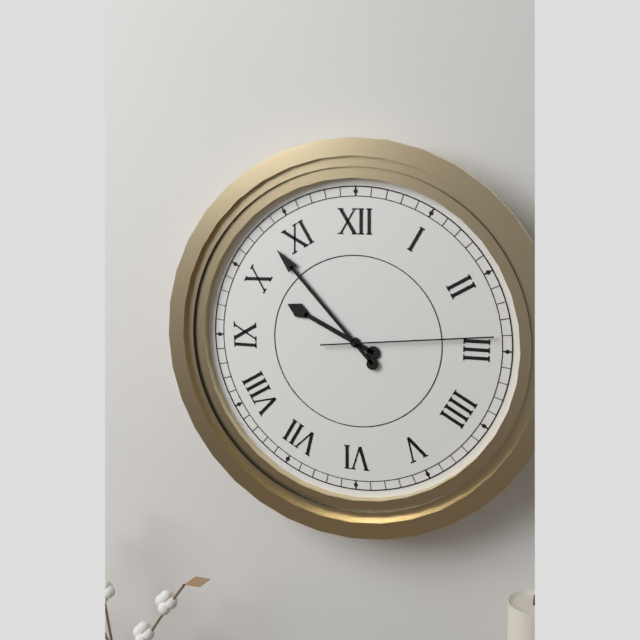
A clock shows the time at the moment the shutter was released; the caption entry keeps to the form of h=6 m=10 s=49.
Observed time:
h=9 m=53 s=14
